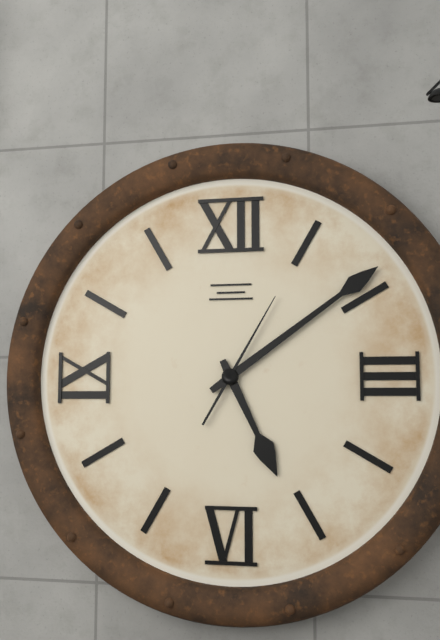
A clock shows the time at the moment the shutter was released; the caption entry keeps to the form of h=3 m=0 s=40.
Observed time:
h=5 m=9 s=5
